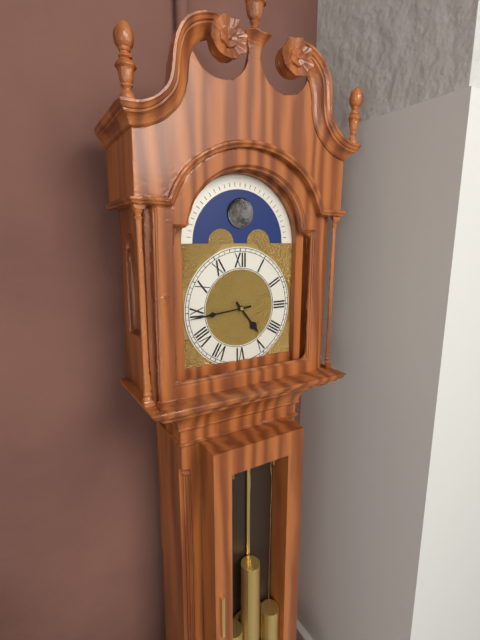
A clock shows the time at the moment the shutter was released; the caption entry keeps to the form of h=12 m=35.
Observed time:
h=4 m=44
